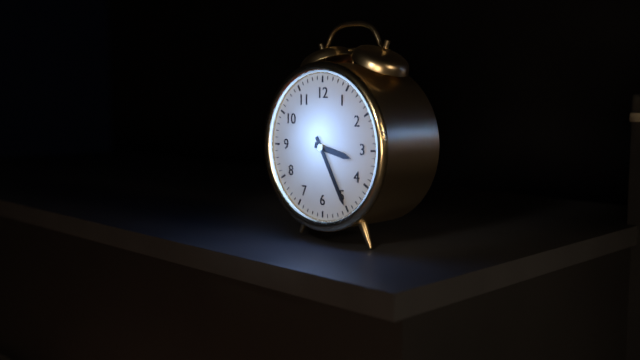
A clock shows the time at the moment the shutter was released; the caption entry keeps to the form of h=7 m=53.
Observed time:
h=3 m=25
